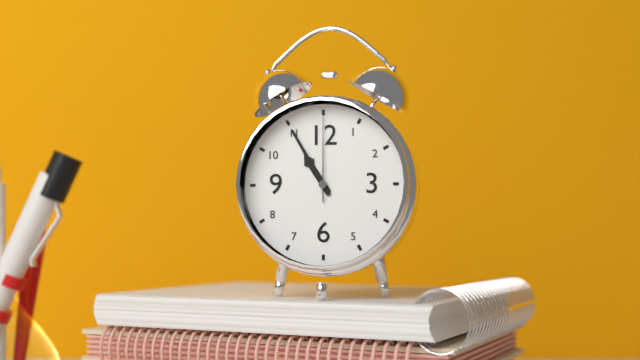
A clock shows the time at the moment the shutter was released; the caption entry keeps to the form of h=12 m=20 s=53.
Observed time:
h=10 m=55 s=0
